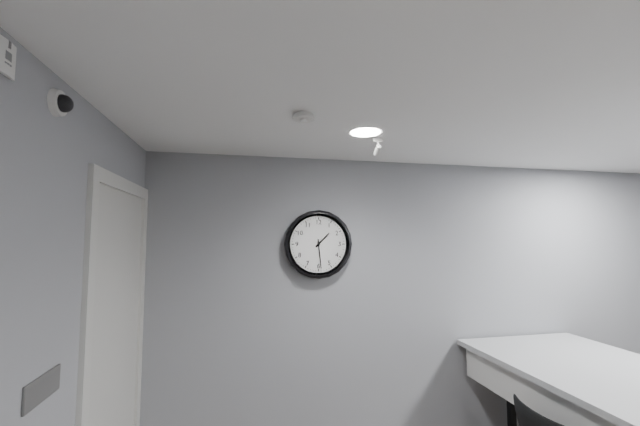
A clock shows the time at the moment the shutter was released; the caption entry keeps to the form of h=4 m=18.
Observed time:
h=1 m=29
